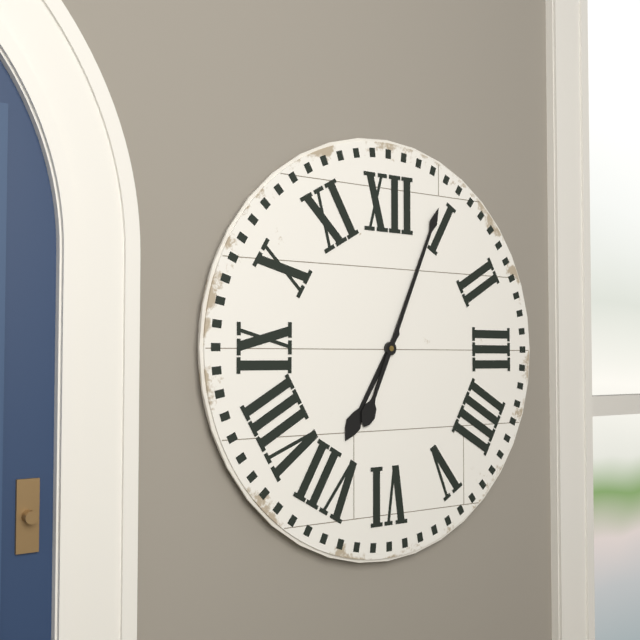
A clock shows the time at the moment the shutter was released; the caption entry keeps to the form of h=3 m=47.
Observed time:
h=7 m=4
